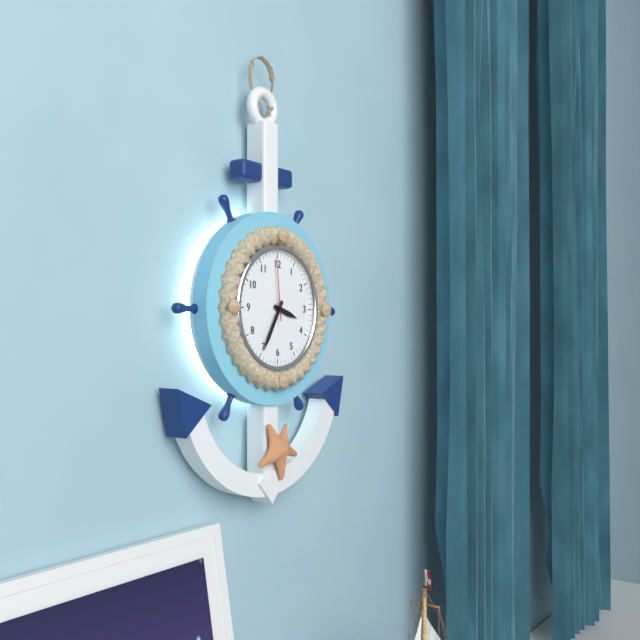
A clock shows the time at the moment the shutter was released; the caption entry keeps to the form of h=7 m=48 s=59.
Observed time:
h=3 m=35 s=59
